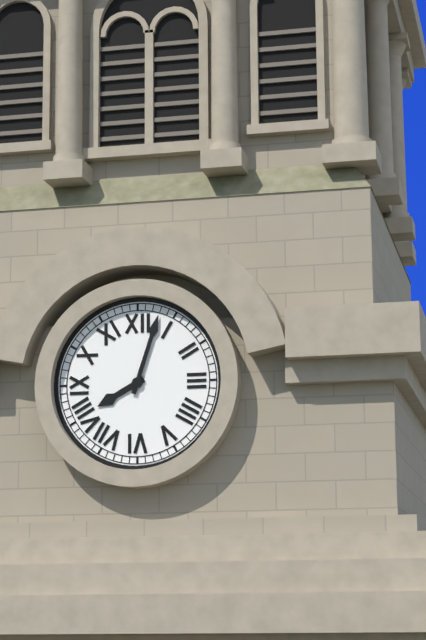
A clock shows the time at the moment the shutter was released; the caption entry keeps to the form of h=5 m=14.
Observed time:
h=8 m=3
